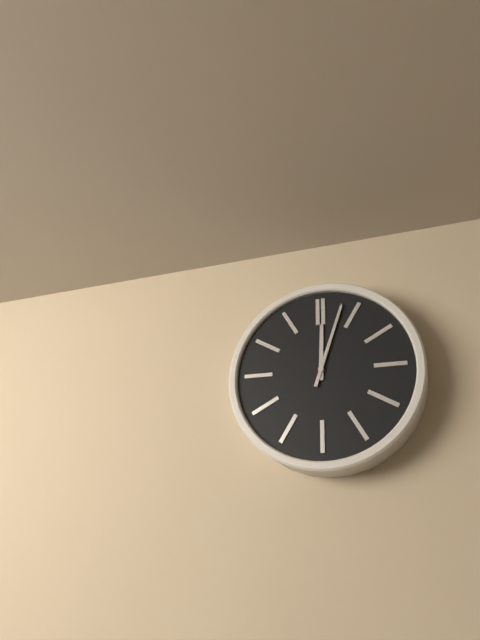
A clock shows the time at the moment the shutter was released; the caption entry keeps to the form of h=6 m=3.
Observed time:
h=12 m=3
